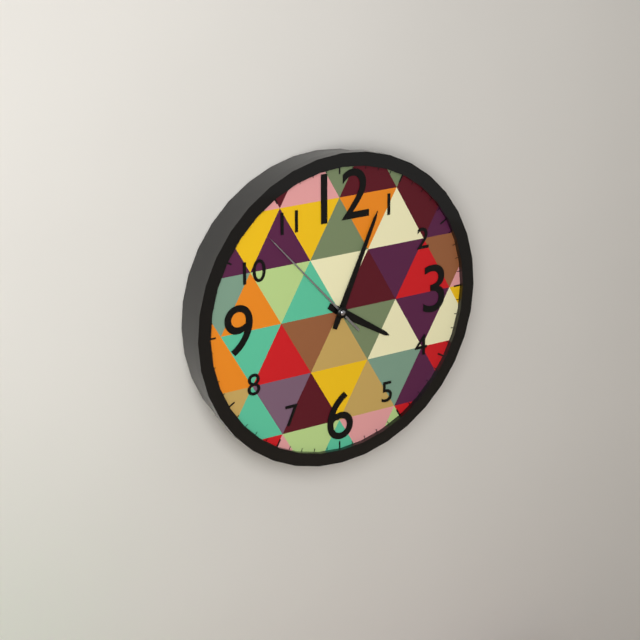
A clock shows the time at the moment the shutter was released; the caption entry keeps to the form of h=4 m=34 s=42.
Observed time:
h=4 m=4 s=53
